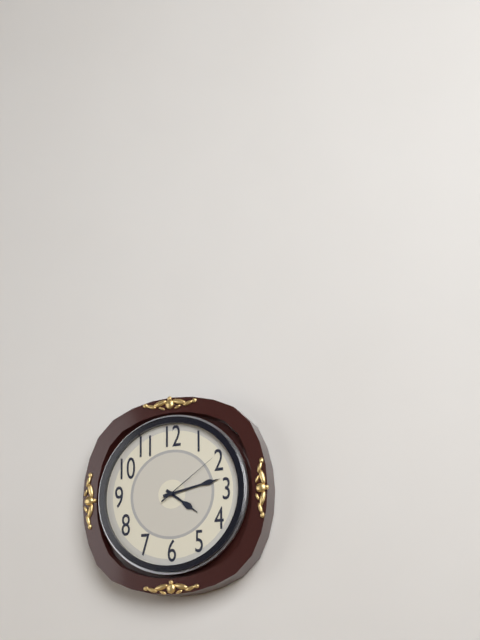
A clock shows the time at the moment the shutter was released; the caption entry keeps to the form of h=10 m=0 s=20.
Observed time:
h=4 m=13 s=9
